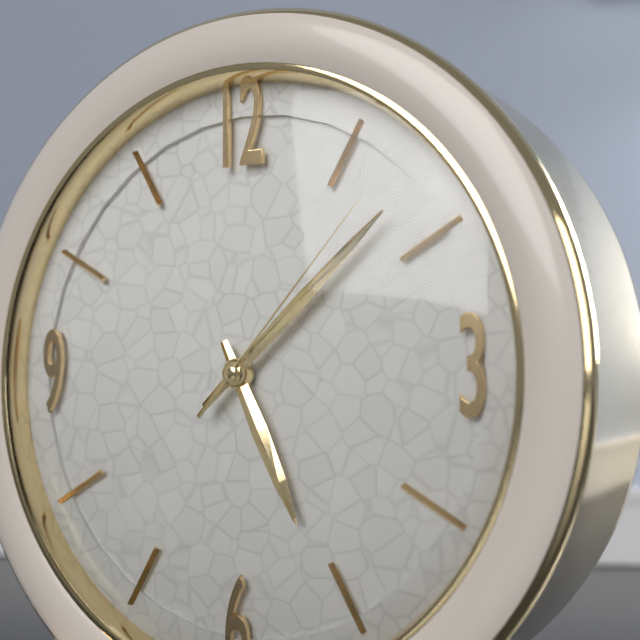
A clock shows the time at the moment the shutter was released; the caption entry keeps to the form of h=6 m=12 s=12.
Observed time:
h=5 m=8 s=7
